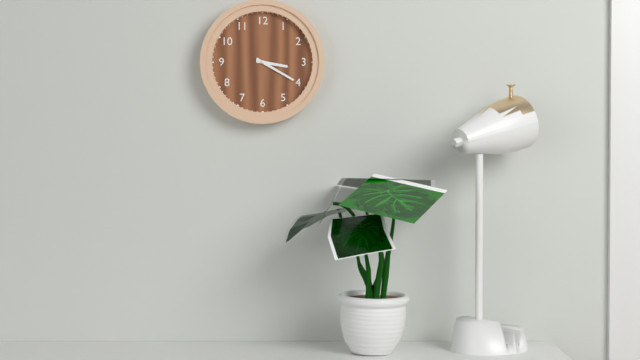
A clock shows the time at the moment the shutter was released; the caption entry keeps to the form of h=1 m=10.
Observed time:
h=3 m=20
